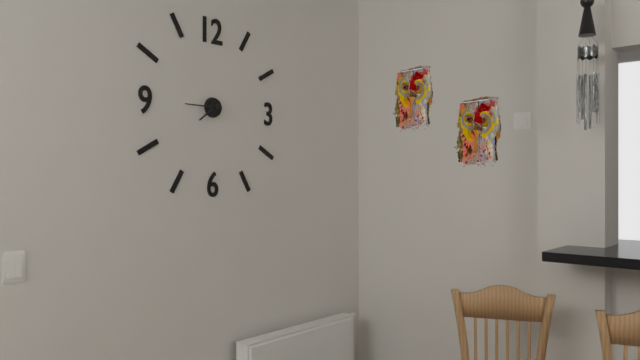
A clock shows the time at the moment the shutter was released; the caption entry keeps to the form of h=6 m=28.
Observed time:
h=7 m=45
